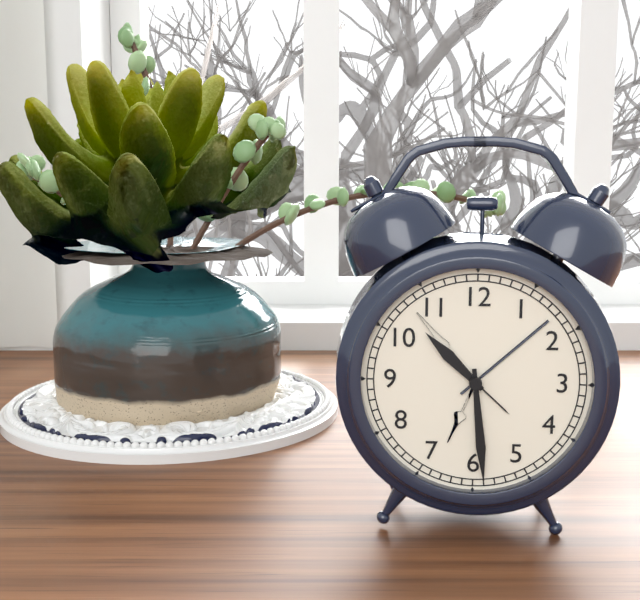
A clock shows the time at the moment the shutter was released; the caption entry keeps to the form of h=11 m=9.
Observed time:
h=10 m=29
